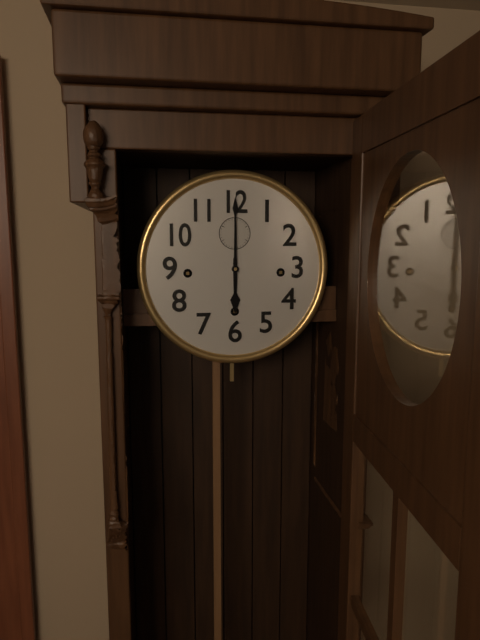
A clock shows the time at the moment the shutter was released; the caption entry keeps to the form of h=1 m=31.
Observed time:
h=6 m=0
